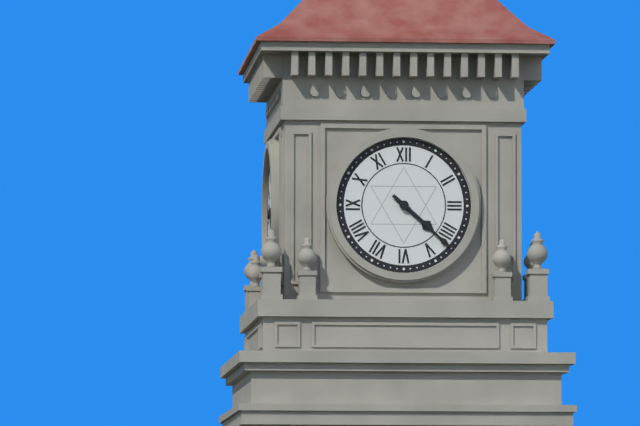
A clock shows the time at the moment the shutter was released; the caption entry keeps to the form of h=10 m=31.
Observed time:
h=4 m=22
